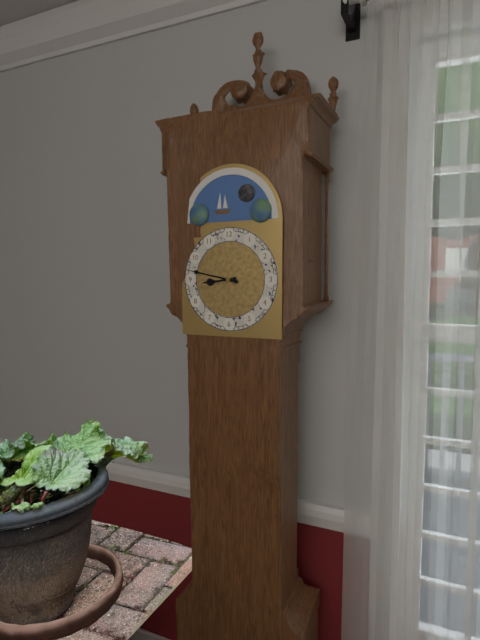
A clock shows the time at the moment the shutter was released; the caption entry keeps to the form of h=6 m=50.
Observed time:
h=8 m=47
